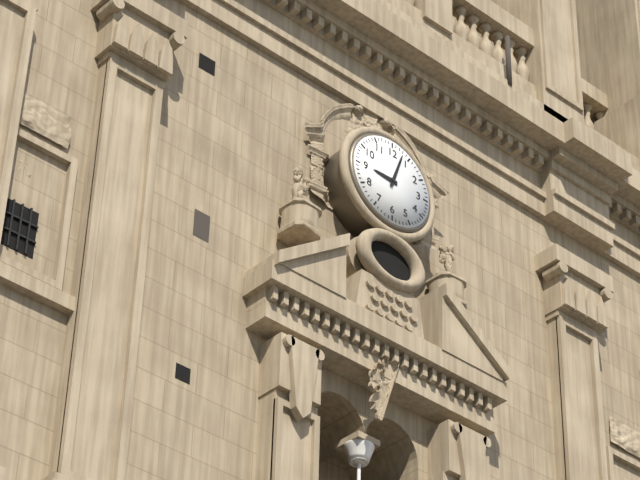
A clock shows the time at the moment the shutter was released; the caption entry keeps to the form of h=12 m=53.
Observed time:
h=9 m=3
